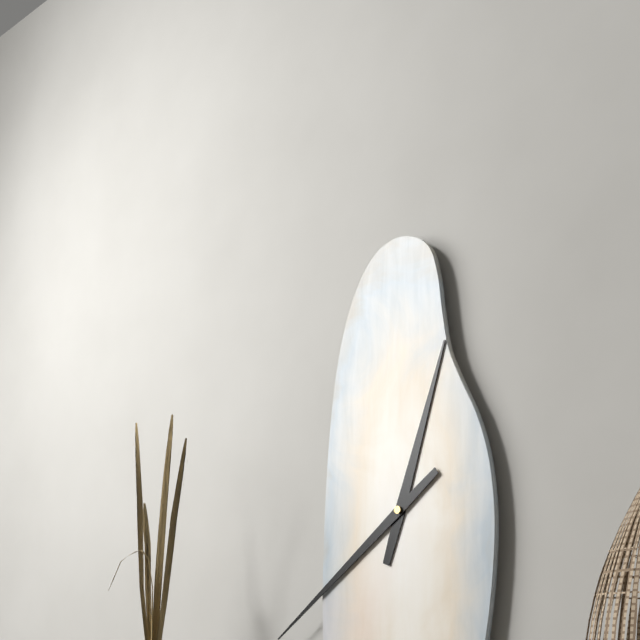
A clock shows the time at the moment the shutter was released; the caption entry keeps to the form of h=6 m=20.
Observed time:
h=12 m=39
